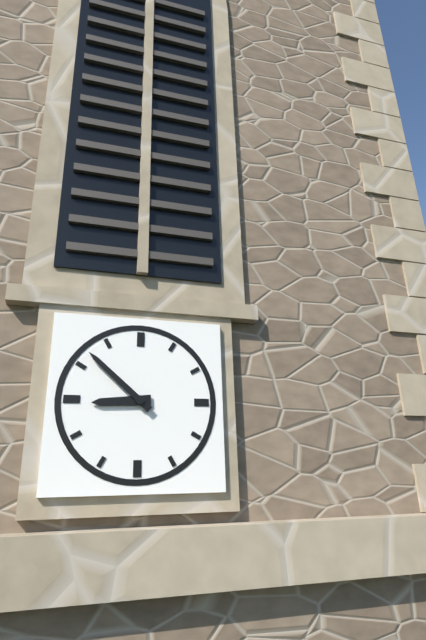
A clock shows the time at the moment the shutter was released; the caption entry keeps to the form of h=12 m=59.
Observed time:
h=8 m=52
